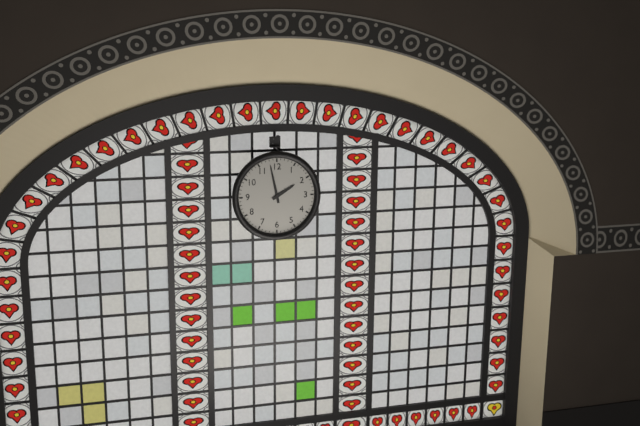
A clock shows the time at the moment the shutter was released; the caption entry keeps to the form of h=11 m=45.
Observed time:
h=1 m=58
